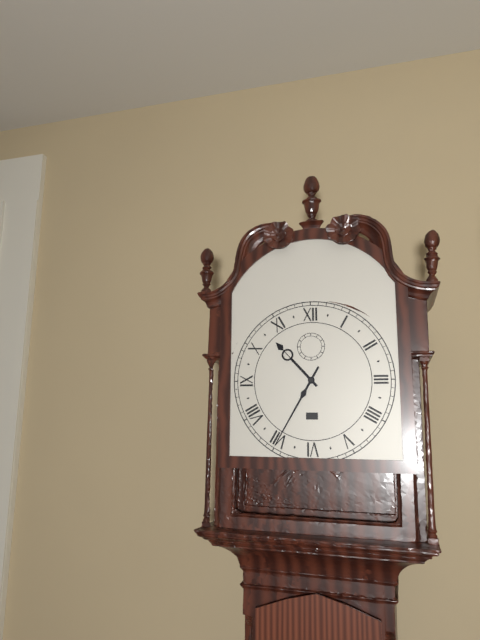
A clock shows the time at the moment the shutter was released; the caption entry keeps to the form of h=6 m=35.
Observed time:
h=10 m=35
